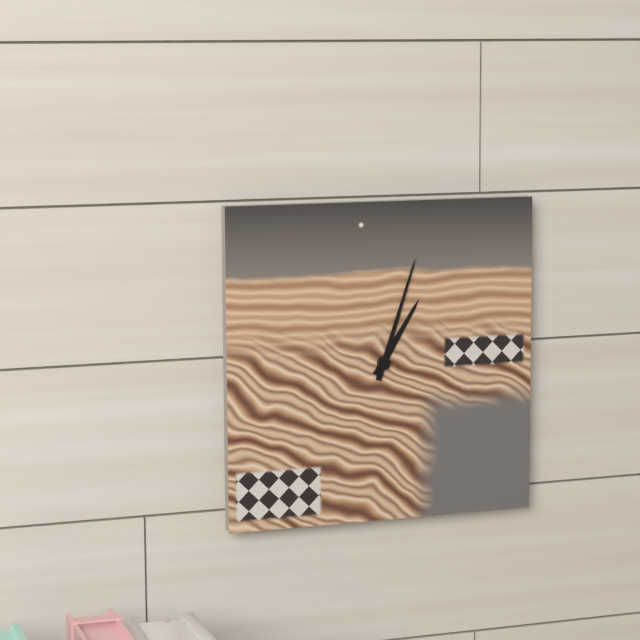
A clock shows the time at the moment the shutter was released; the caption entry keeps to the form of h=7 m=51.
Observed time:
h=1 m=3
